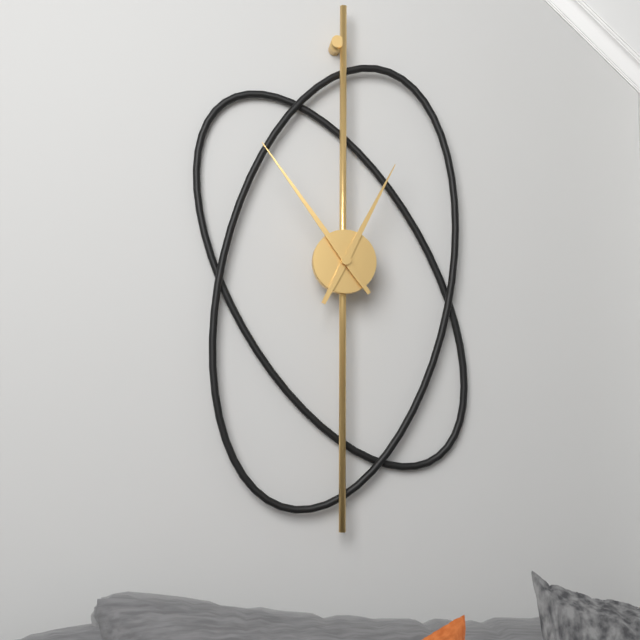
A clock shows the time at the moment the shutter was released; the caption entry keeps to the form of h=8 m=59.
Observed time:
h=12 m=54
